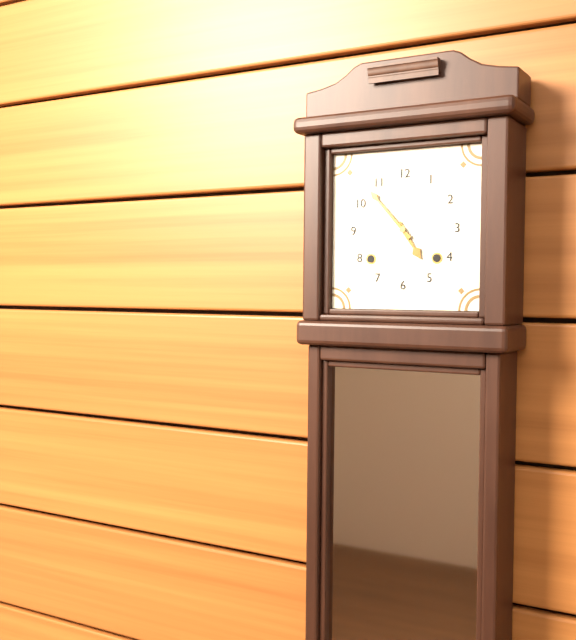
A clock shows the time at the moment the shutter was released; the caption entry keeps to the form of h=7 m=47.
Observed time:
h=4 m=53
